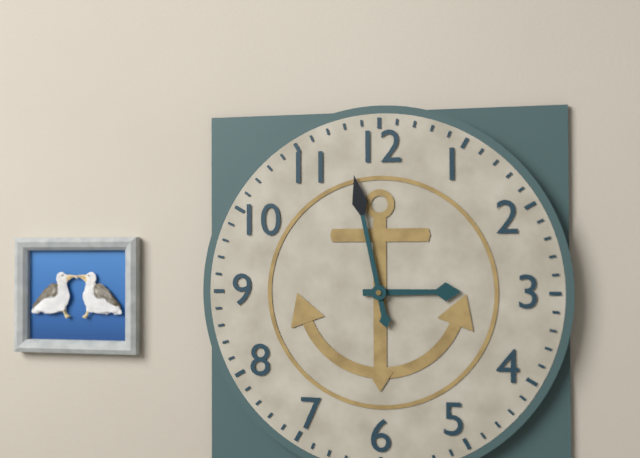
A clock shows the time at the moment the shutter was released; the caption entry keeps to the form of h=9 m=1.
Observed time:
h=2 m=58
